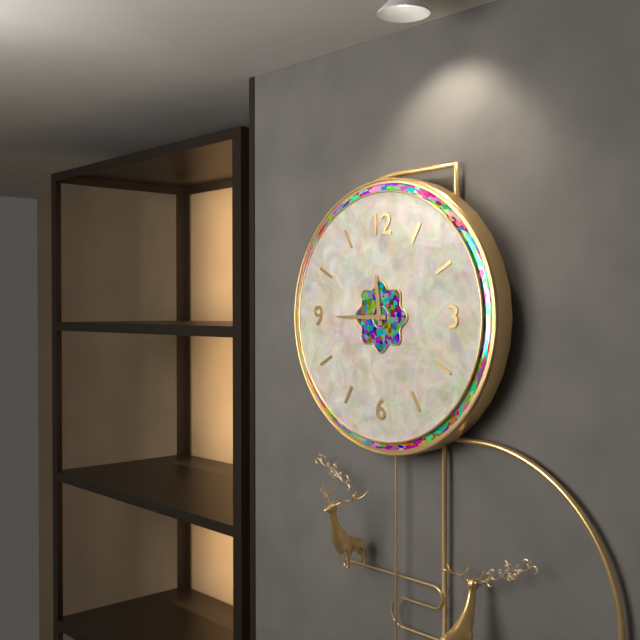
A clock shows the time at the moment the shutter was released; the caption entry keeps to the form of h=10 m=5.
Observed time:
h=11 m=45
